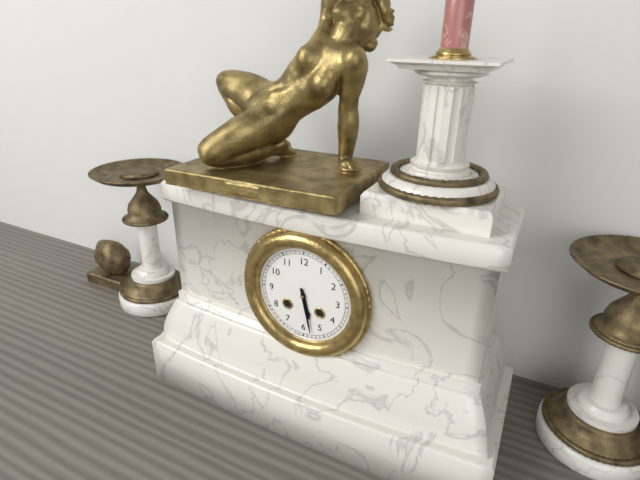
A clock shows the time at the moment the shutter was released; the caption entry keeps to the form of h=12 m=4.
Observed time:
h=5 m=28
